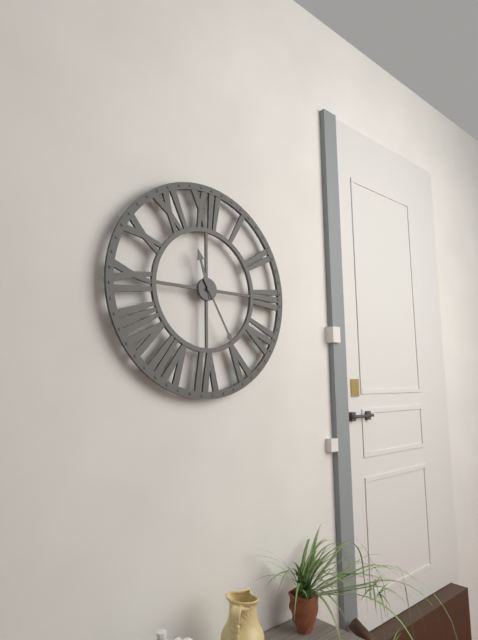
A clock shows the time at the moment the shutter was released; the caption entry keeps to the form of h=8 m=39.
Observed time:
h=11 m=25
